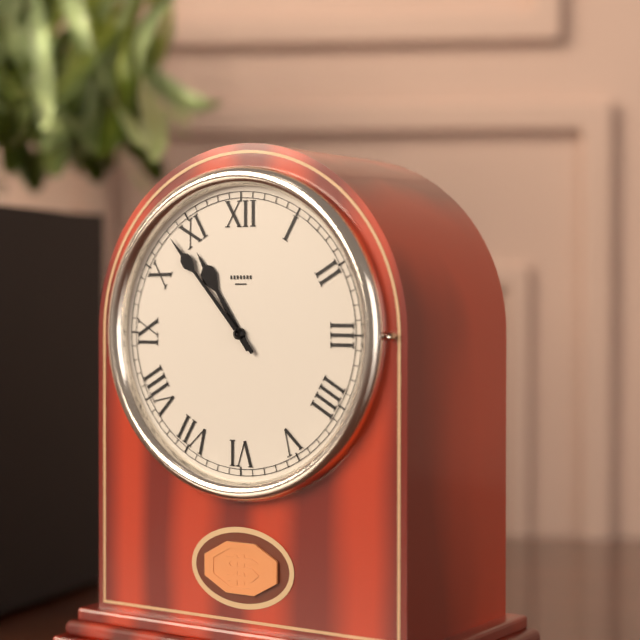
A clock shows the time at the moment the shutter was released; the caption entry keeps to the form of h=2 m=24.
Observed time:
h=10 m=53
